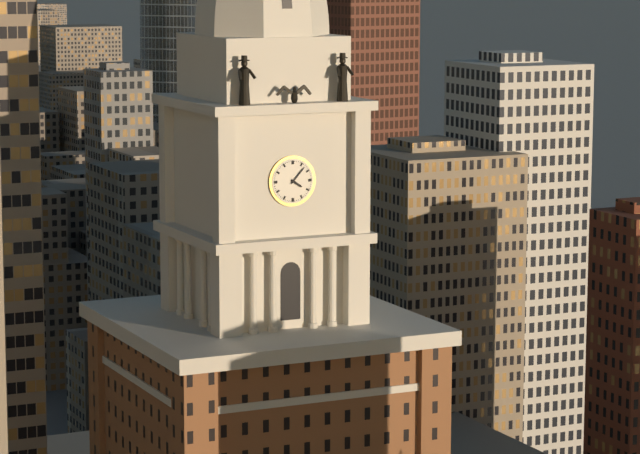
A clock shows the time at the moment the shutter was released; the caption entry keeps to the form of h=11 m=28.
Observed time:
h=4 m=7
